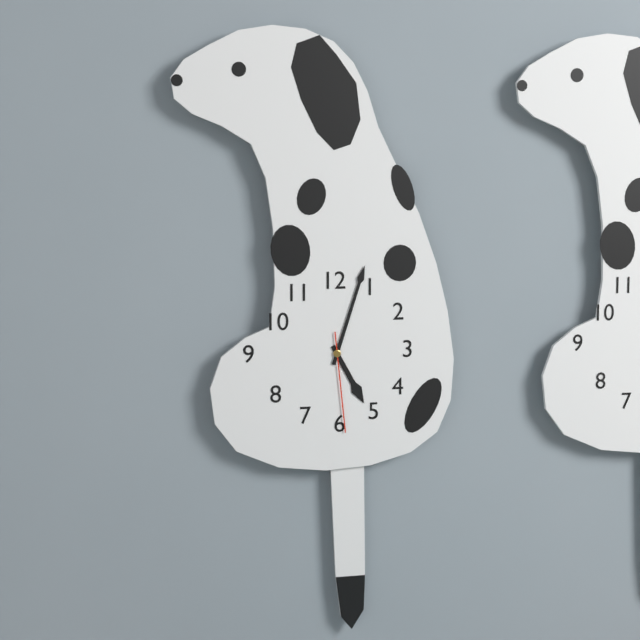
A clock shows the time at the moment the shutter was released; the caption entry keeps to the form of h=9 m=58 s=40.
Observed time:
h=5 m=3 s=29
